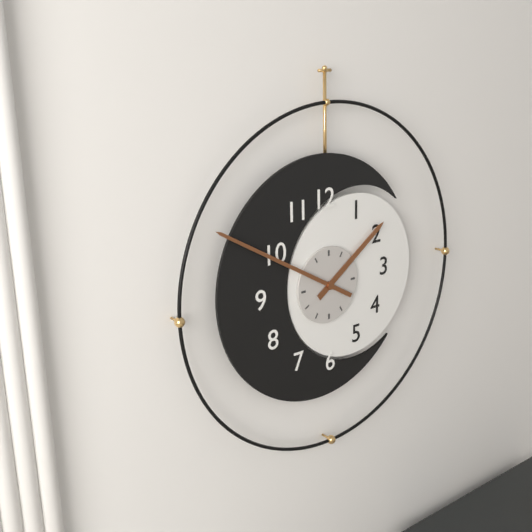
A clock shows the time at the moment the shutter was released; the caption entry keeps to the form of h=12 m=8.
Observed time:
h=1 m=50
